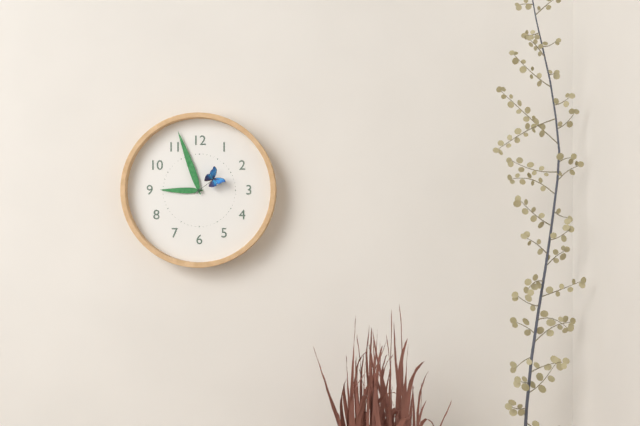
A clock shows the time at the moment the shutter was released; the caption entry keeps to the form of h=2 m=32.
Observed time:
h=8 m=57
